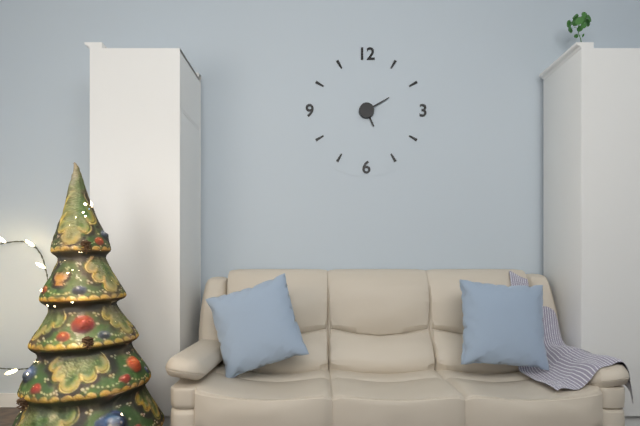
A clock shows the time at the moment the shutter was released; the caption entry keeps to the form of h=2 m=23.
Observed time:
h=5 m=10
